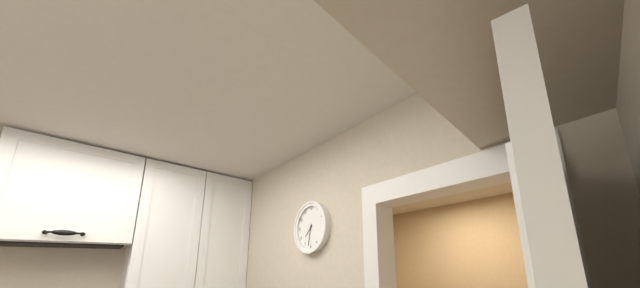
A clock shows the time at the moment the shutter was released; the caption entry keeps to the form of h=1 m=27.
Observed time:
h=7 m=32
